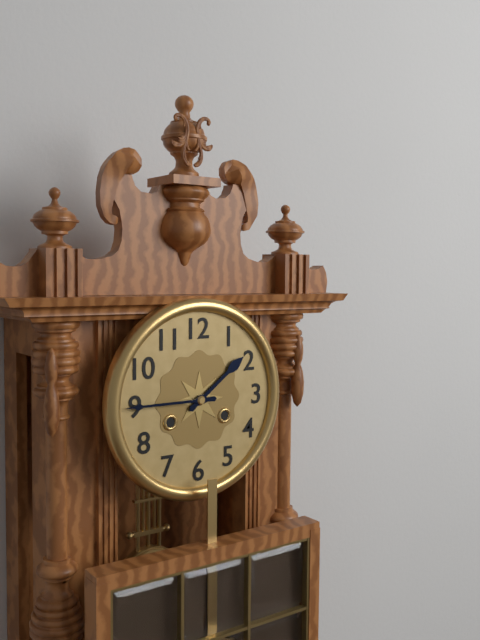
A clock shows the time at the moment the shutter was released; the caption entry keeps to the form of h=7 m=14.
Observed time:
h=1 m=45
